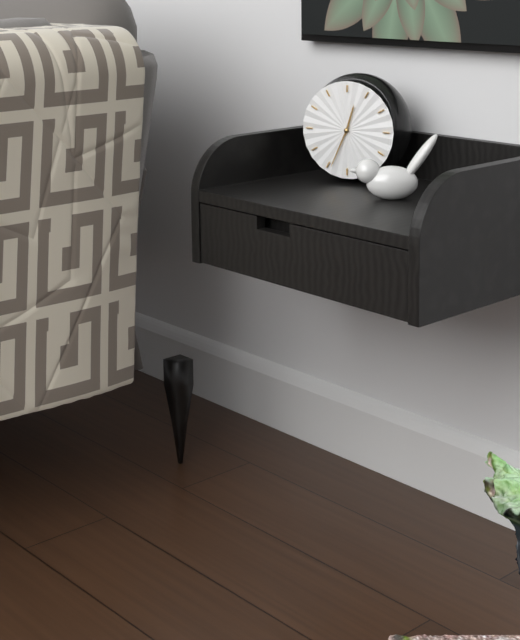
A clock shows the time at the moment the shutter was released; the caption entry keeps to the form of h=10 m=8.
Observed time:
h=12 m=34
